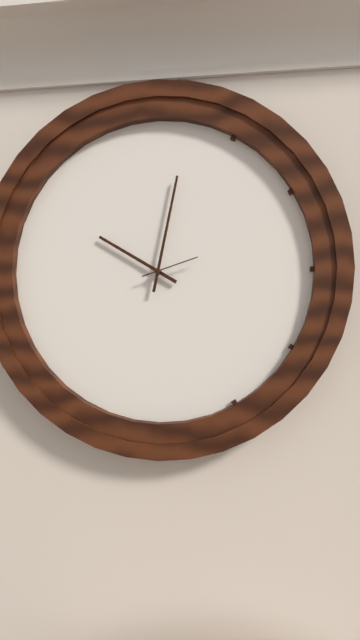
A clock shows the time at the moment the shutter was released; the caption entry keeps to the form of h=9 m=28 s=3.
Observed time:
h=10 m=2 s=12
